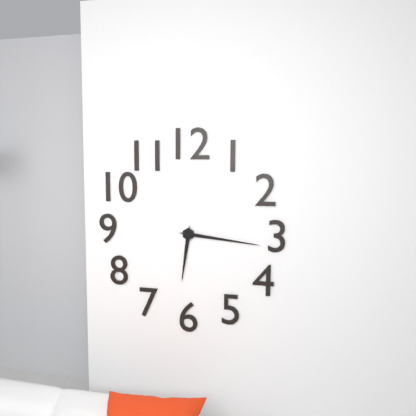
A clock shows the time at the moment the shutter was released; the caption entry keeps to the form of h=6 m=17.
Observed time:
h=6 m=16
